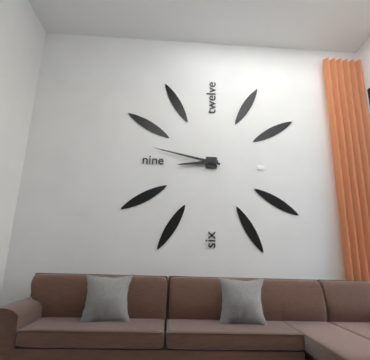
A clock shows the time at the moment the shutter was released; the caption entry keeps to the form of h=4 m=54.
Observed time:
h=8 m=47
